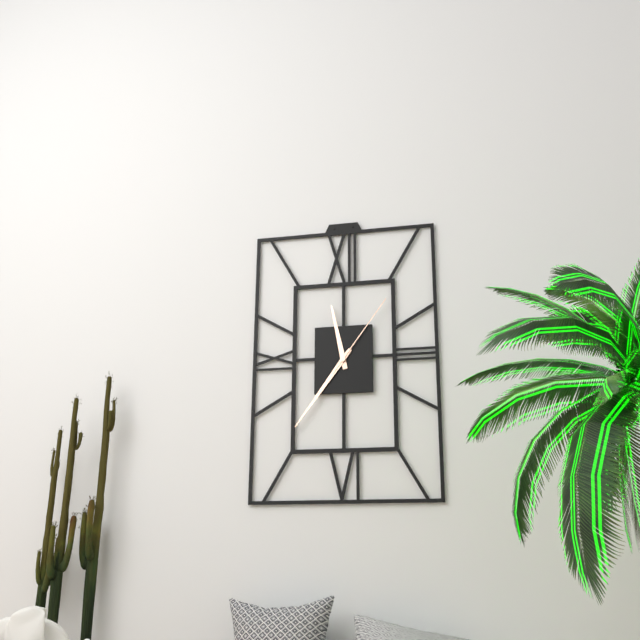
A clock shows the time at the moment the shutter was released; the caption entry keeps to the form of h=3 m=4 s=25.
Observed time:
h=11 m=36 s=6
